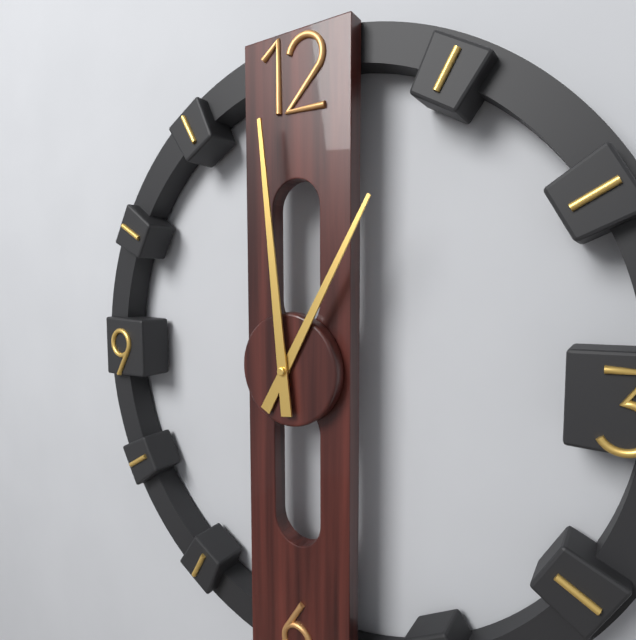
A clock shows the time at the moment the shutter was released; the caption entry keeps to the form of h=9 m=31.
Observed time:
h=12 m=59
